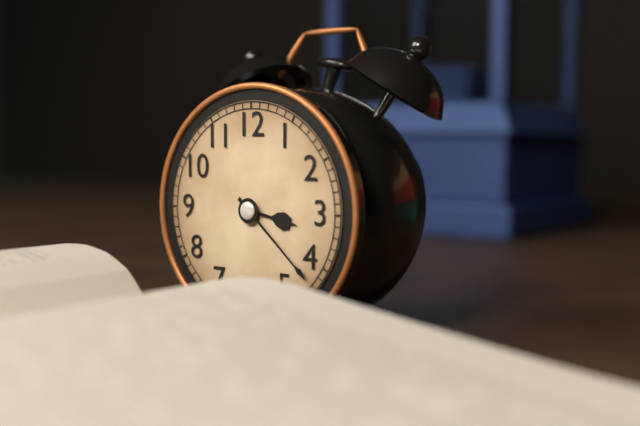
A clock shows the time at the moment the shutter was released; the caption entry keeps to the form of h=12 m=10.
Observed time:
h=3 m=22
